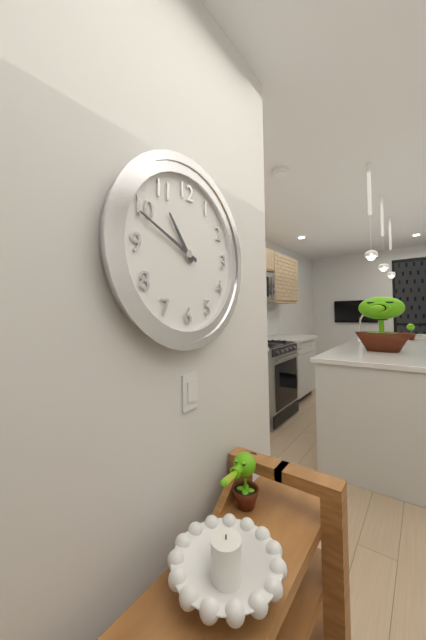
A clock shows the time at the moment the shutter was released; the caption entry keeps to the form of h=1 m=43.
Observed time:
h=10 m=49
